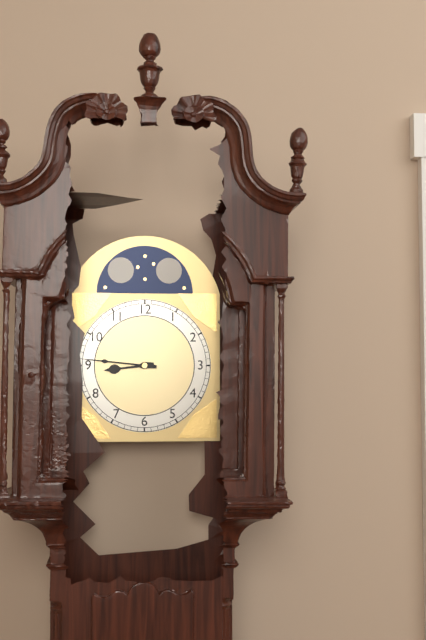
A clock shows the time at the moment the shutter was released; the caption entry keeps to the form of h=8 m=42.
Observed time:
h=8 m=46
